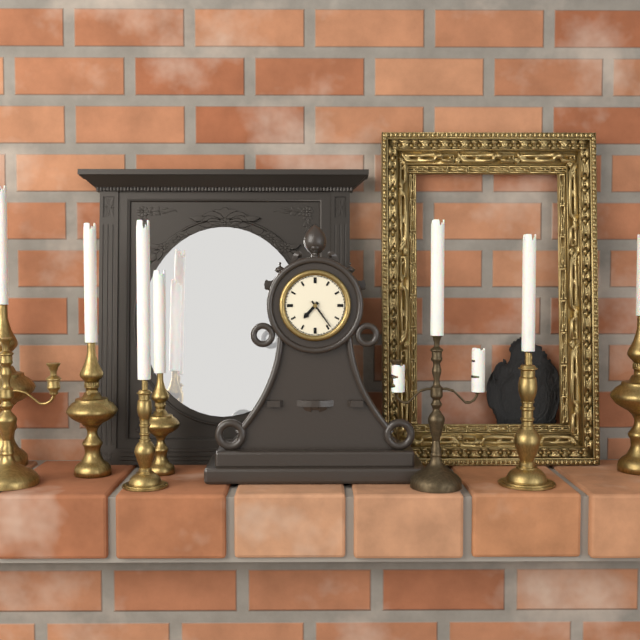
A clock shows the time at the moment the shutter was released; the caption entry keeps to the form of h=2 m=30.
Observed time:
h=7 m=24
